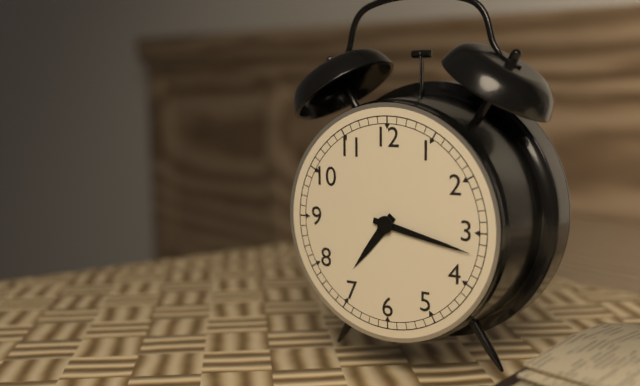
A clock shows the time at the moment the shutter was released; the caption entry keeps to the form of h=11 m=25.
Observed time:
h=7 m=17
